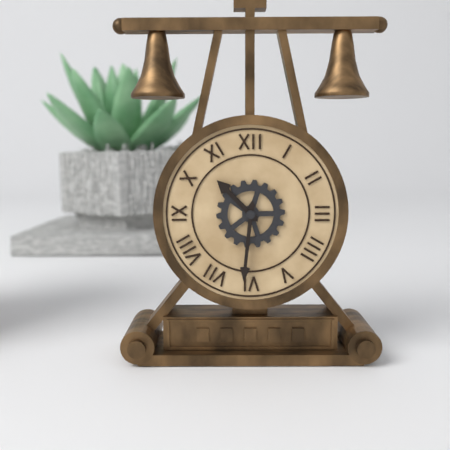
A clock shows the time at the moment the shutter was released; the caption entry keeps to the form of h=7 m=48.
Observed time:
h=10 m=31
